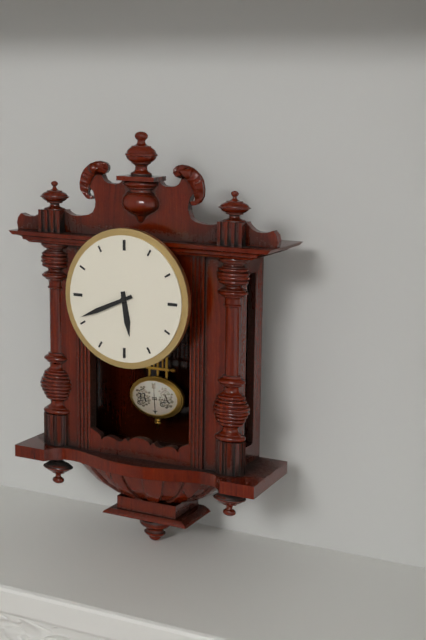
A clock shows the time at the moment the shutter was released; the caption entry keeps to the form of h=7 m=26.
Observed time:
h=5 m=41
